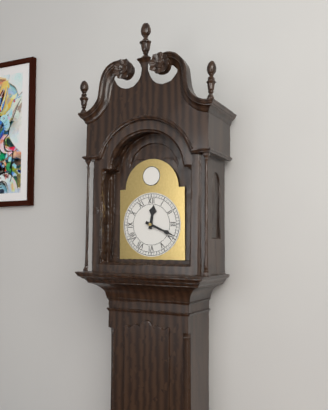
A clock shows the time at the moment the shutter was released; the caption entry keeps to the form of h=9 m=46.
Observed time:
h=12 m=19
